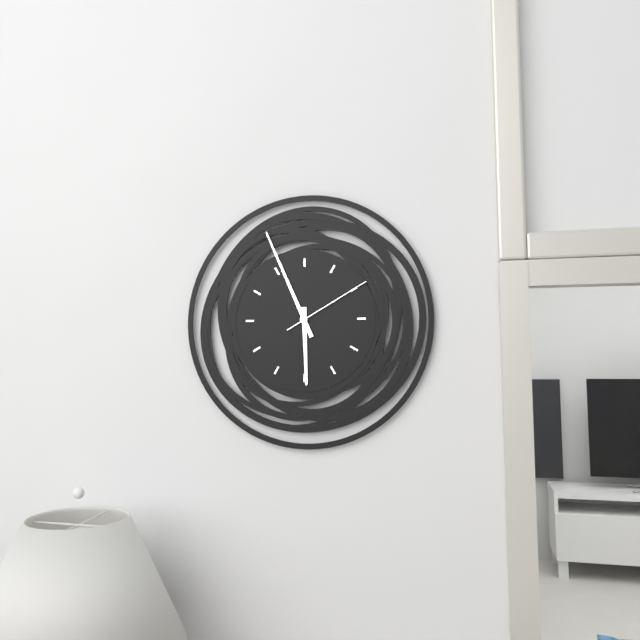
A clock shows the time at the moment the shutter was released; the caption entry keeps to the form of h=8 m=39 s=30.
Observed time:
h=5 m=56 s=10
